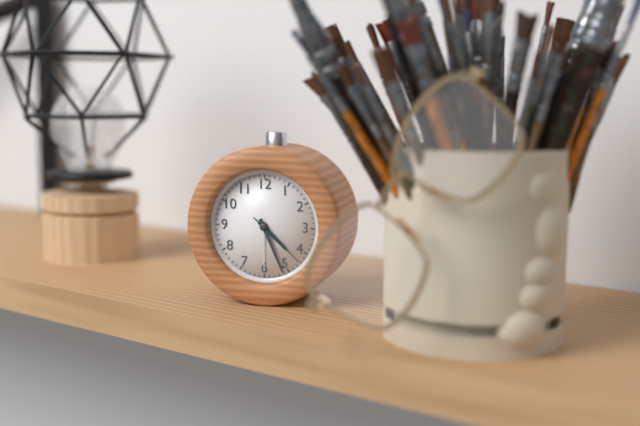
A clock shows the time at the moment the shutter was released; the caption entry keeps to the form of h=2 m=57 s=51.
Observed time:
h=4 m=26 s=22
